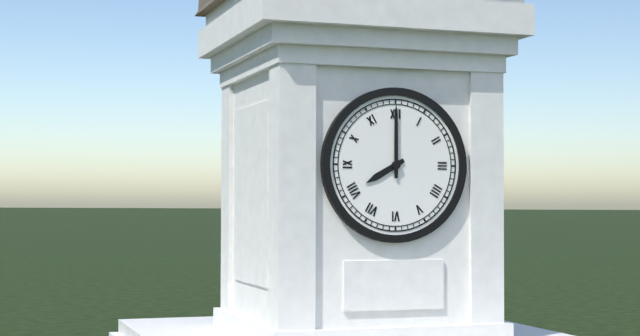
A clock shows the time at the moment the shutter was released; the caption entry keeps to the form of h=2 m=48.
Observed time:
h=8 m=0
